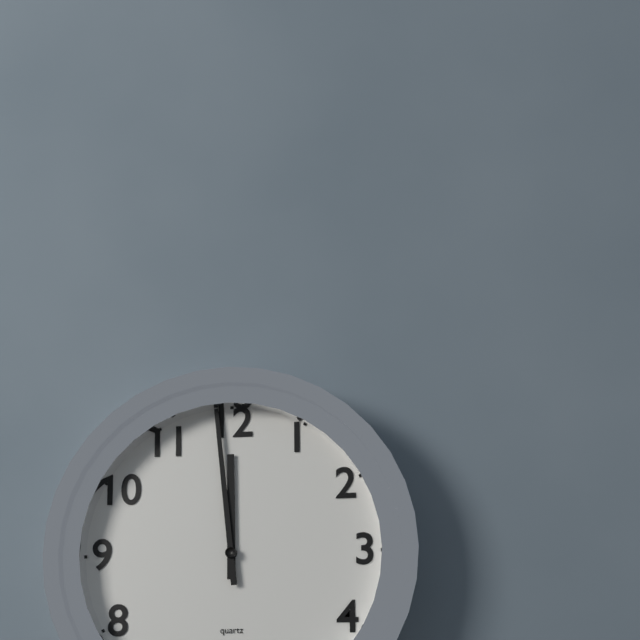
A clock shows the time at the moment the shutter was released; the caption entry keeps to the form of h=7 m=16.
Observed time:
h=11 m=59
